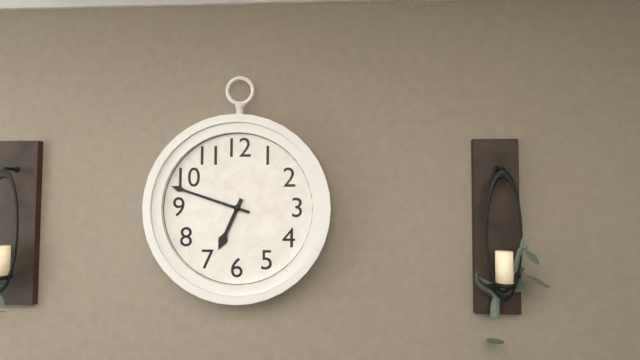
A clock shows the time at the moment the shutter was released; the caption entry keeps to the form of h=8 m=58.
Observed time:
h=6 m=48
